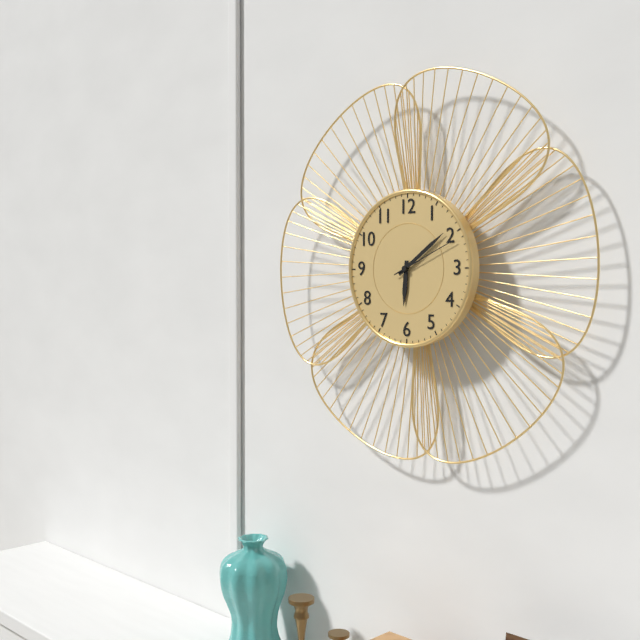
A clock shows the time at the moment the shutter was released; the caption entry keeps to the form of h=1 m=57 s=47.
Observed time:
h=6 m=9 s=11
